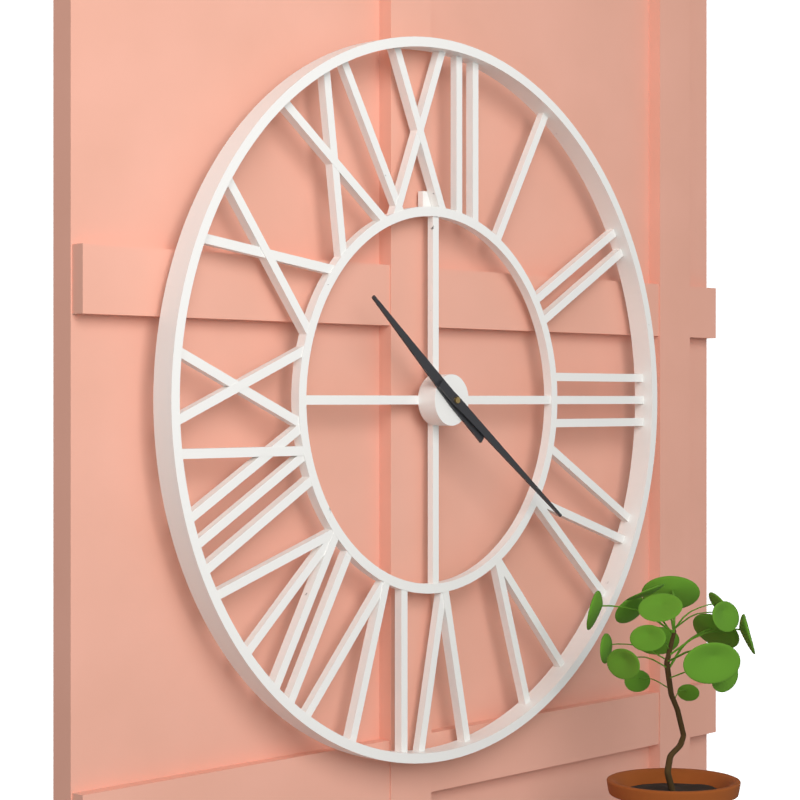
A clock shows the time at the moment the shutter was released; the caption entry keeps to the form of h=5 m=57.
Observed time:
h=10 m=21
